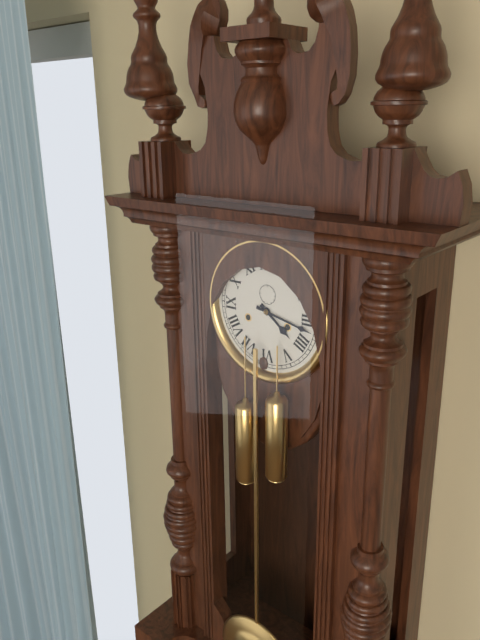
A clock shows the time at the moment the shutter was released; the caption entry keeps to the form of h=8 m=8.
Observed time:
h=4 m=17
